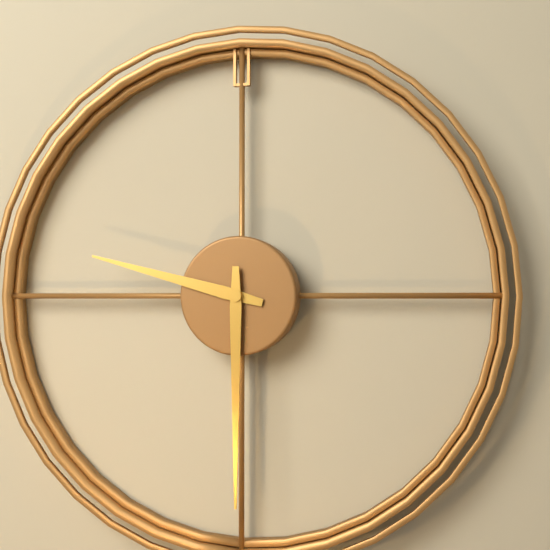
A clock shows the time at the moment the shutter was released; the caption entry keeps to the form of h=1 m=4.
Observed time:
h=9 m=30
